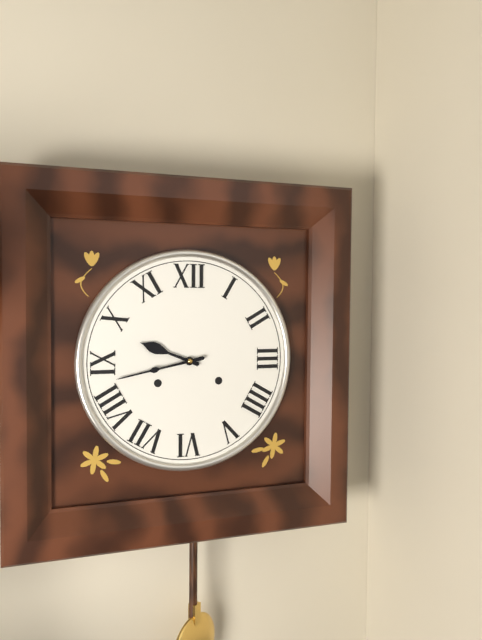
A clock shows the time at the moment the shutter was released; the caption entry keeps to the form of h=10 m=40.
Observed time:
h=9 m=43
